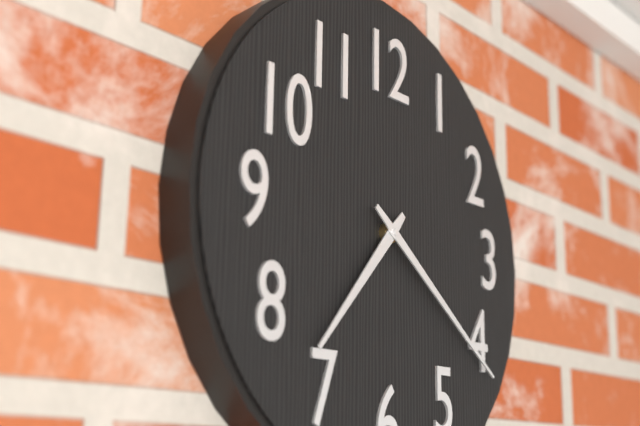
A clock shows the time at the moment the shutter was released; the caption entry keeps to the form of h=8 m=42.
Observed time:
h=7 m=21
